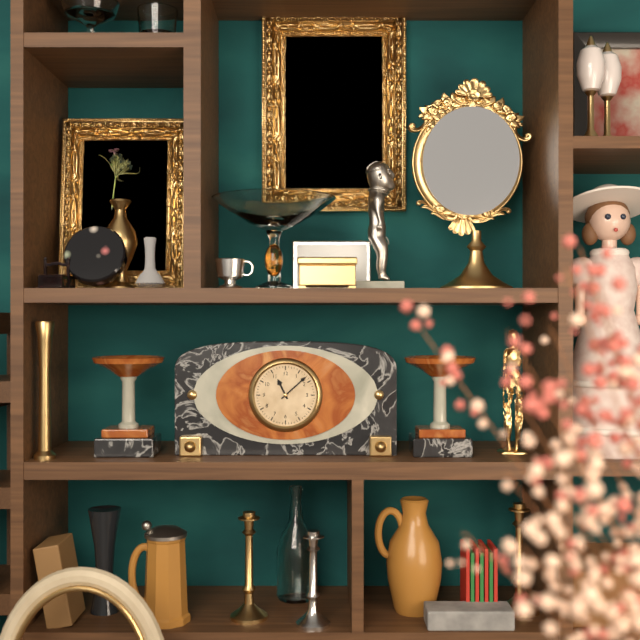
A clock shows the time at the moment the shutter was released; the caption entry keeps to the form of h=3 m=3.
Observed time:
h=11 m=8
